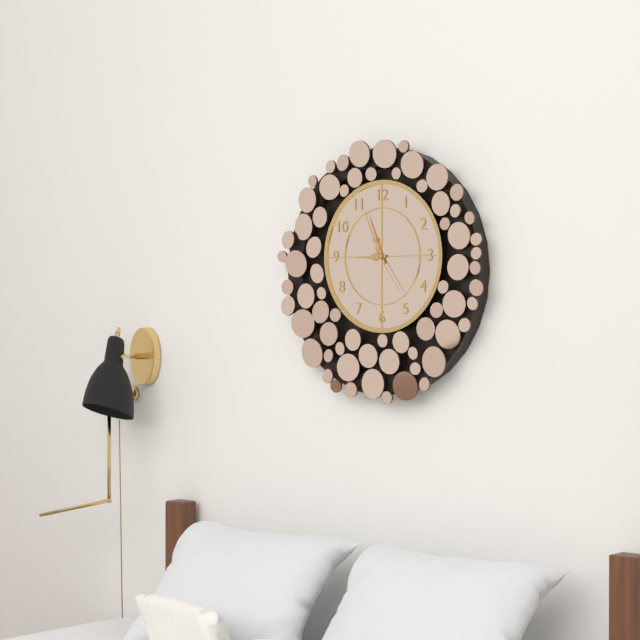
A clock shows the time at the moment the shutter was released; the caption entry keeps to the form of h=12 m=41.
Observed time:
h=8 m=56
